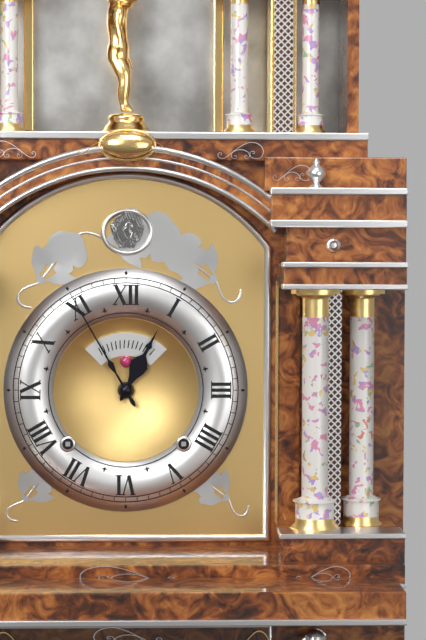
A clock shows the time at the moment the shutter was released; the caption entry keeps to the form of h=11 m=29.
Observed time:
h=12 m=55
